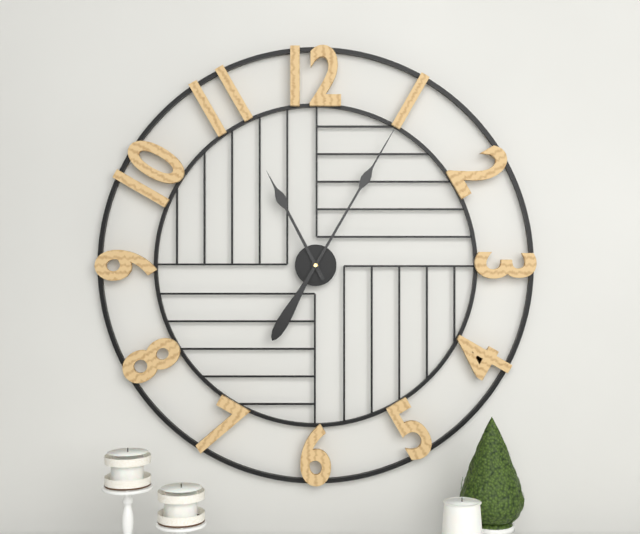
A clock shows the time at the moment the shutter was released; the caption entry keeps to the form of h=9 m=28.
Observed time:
h=11 m=5
